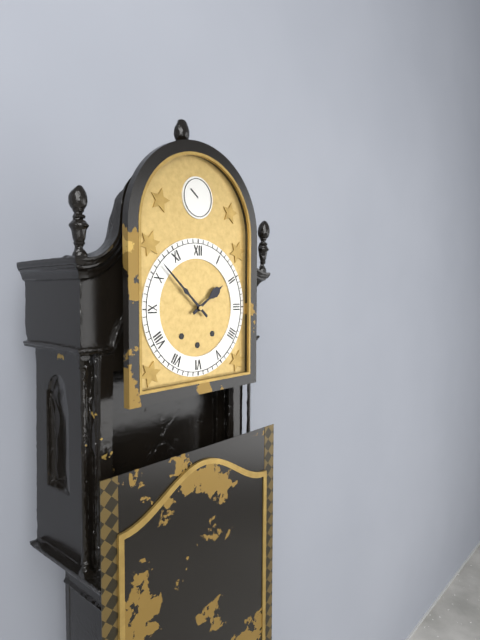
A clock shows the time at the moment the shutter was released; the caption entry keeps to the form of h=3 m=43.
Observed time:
h=1 m=52
